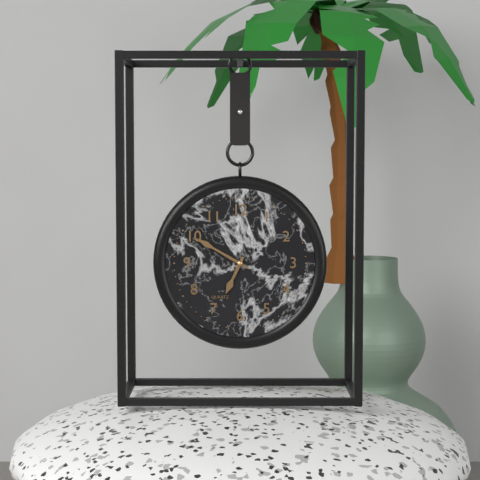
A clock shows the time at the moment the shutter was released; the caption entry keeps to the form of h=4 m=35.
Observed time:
h=6 m=50
